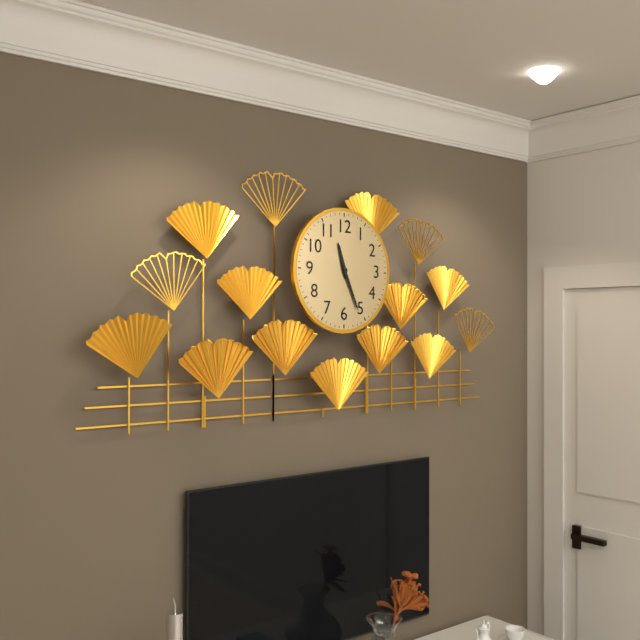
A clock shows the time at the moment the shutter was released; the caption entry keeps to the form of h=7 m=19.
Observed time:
h=11 m=26
